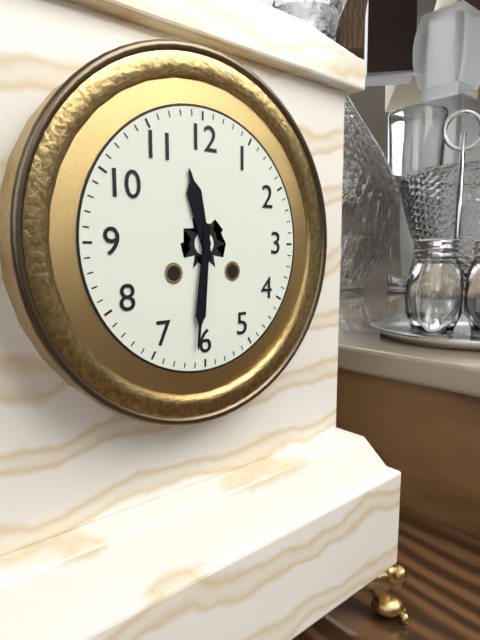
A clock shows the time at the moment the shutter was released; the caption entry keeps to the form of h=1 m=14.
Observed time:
h=11 m=31
